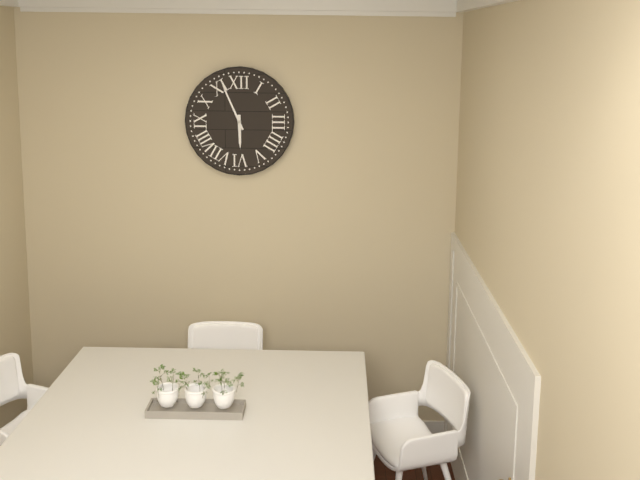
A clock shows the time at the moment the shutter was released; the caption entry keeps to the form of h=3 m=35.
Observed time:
h=5 m=56
